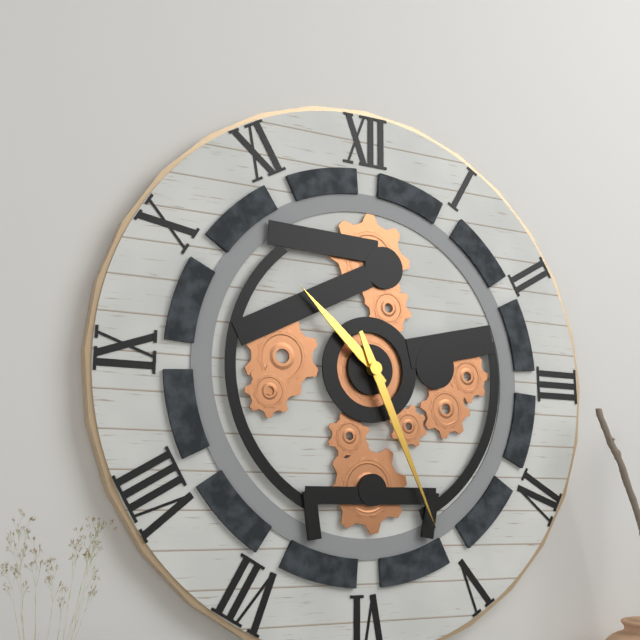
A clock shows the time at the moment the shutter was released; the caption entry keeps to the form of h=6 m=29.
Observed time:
h=10 m=26
